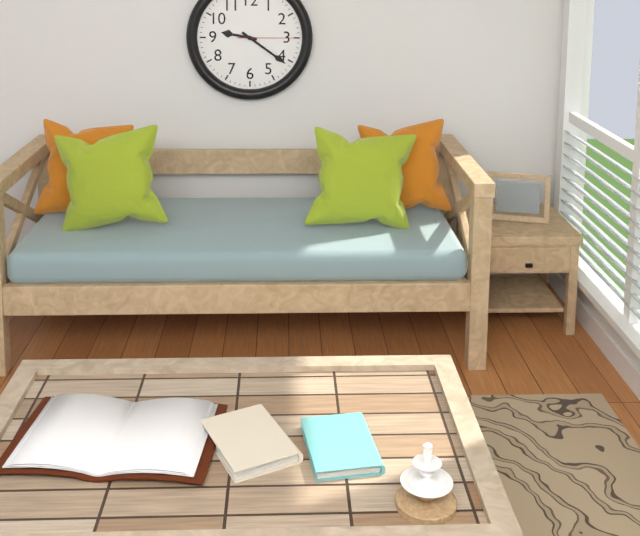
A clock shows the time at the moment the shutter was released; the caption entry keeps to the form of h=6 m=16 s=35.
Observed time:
h=9 m=21 s=15
